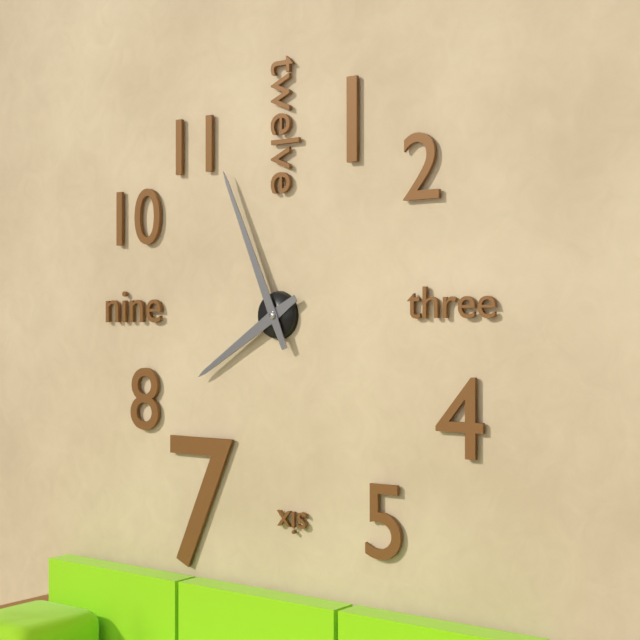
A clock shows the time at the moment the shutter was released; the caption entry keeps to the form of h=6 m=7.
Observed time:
h=7 m=56
